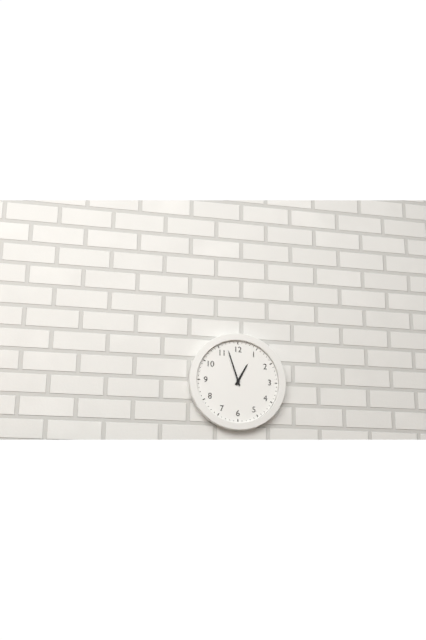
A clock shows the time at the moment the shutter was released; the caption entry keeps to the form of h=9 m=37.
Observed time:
h=12 m=57
